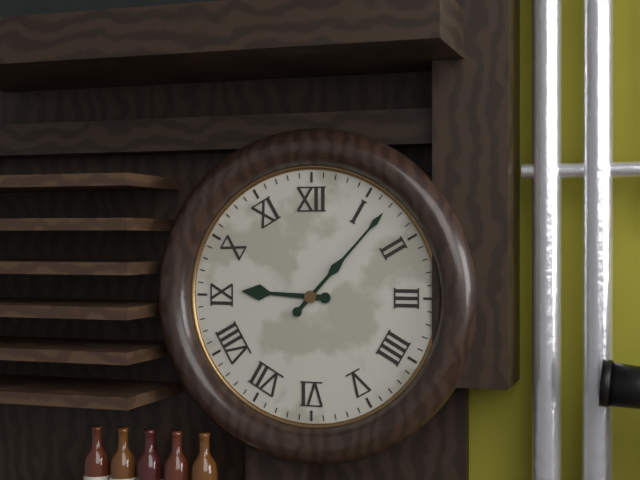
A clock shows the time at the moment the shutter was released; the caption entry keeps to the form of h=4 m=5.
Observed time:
h=9 m=7
